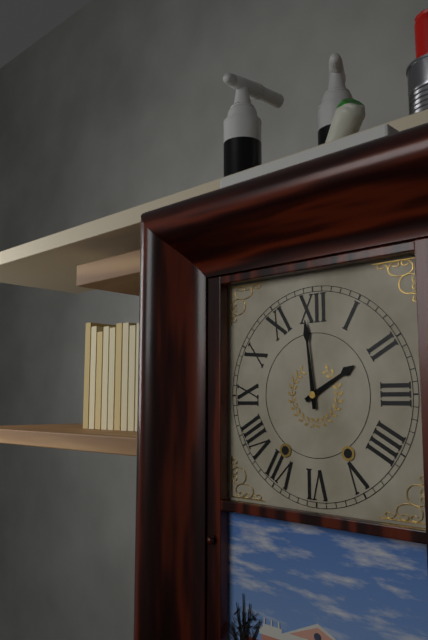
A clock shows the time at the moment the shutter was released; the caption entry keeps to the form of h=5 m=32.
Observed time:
h=1 m=59
